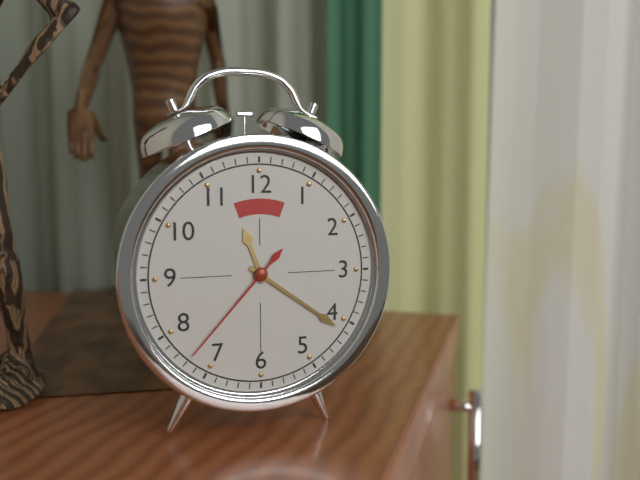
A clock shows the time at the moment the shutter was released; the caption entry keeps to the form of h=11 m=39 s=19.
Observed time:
h=11 m=21 s=37
